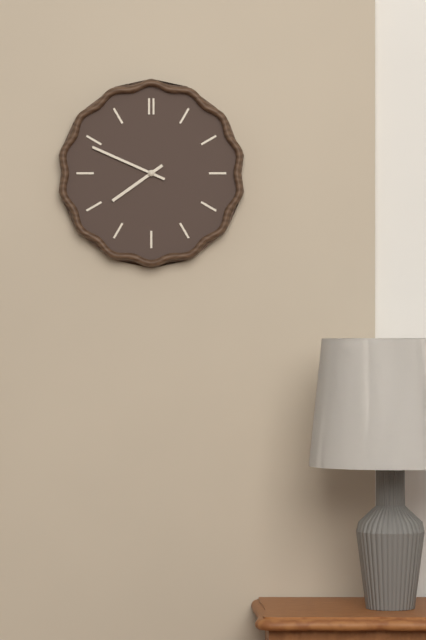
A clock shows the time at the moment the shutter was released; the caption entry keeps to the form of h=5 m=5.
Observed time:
h=7 m=49
